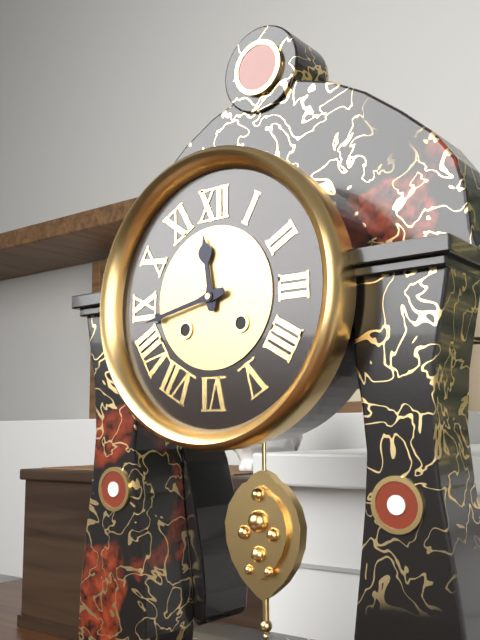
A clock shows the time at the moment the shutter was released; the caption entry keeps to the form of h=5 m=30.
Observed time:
h=11 m=43
